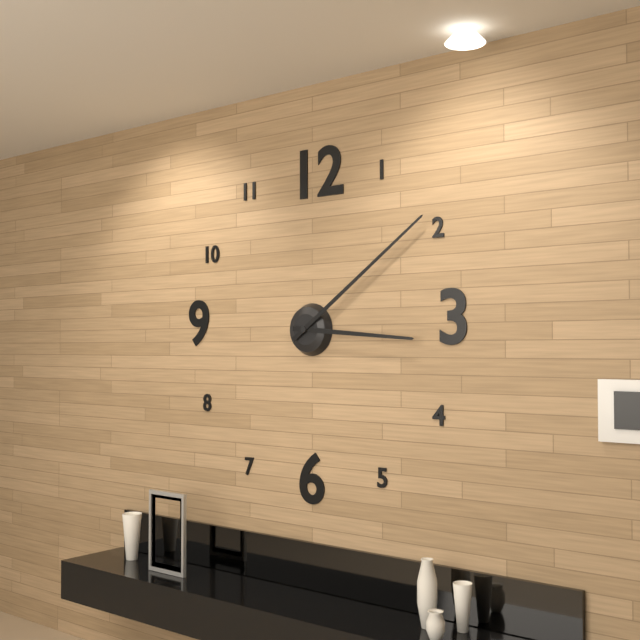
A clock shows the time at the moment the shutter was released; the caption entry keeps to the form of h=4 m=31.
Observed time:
h=3 m=9
